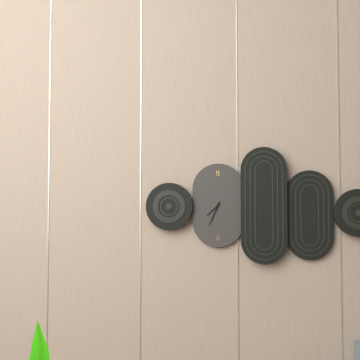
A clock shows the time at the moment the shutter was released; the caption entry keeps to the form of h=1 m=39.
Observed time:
h=7 m=34
